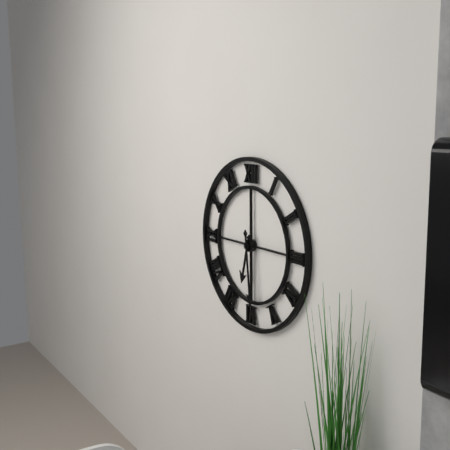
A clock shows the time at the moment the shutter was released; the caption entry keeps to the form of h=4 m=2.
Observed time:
h=6 m=29
